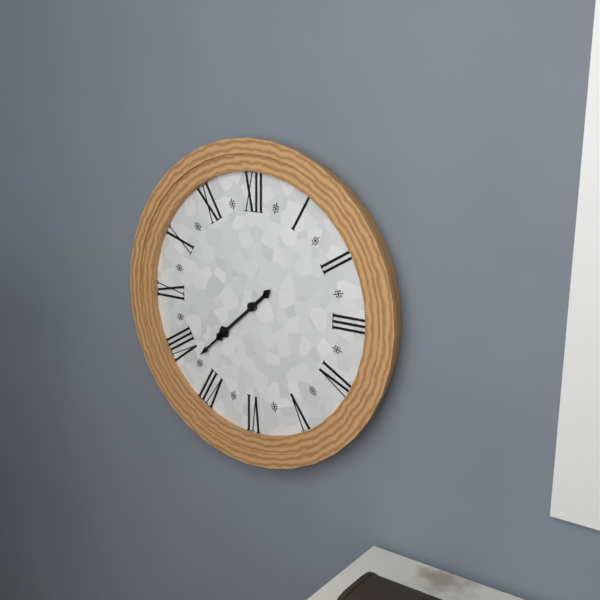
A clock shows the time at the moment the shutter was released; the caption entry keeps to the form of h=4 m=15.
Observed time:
h=7 m=38
